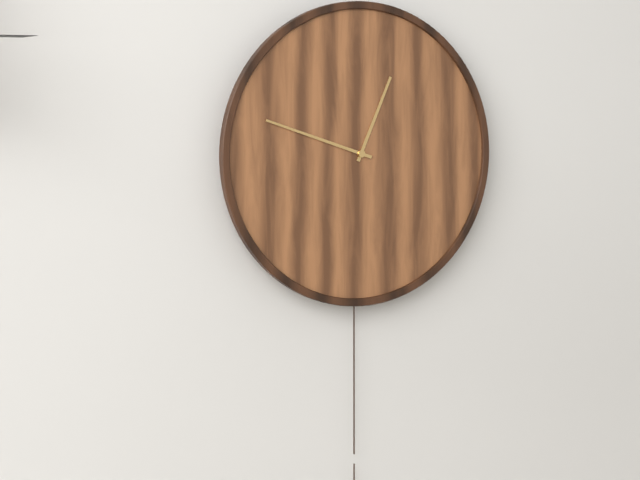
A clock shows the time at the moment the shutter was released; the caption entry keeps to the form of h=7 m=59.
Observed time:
h=12 m=48
